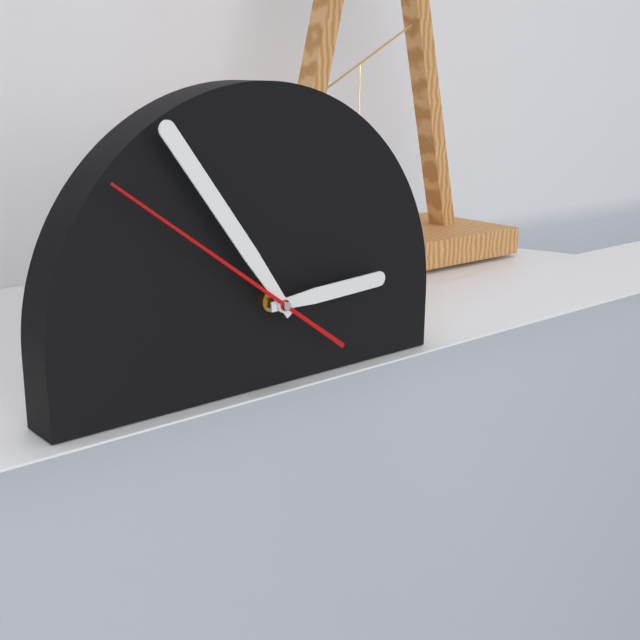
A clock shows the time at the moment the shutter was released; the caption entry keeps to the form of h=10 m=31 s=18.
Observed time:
h=2 m=54 s=51
